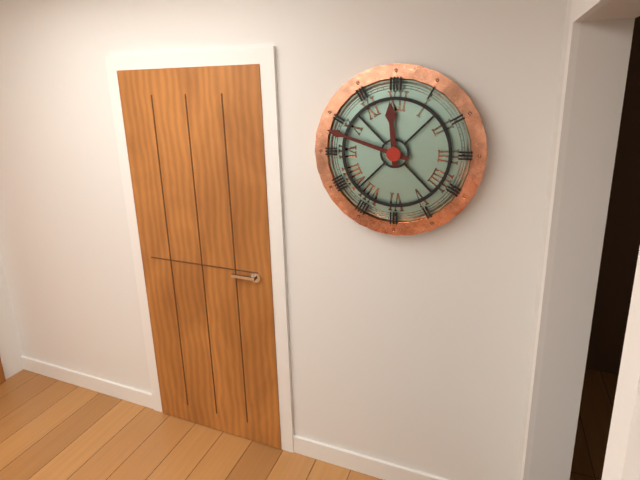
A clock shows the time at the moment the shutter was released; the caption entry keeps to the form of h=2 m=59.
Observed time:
h=11 m=48
